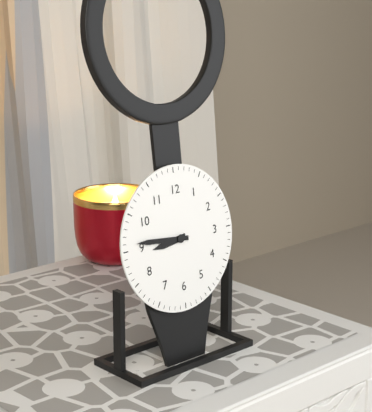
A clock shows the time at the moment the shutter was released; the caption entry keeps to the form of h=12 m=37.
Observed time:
h=8 m=46
